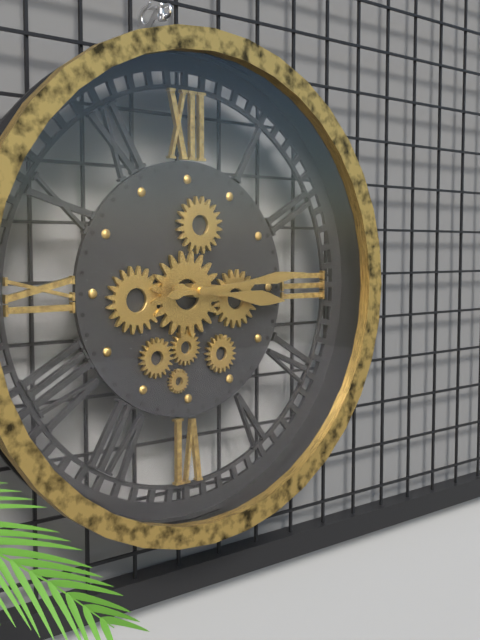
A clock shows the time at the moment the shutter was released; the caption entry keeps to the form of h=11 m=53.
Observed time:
h=3 m=14
